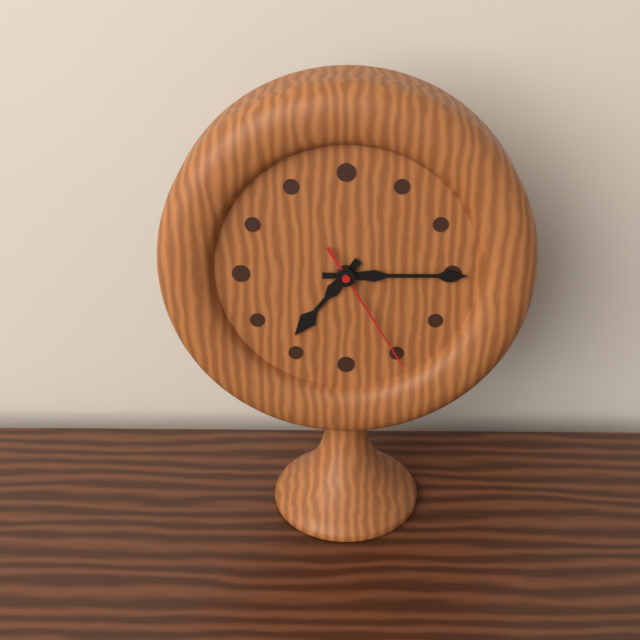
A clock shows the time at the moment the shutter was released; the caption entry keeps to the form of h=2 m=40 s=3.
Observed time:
h=7 m=15 s=25
